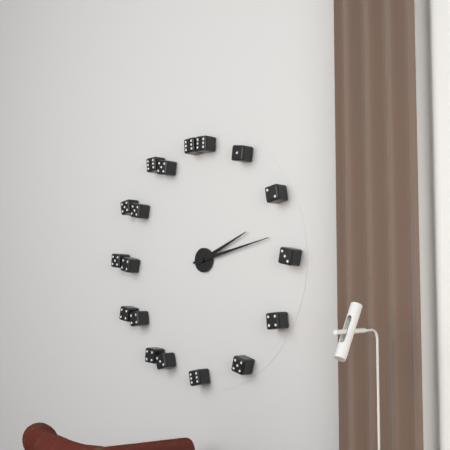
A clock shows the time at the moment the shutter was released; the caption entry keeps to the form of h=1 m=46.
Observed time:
h=2 m=13
